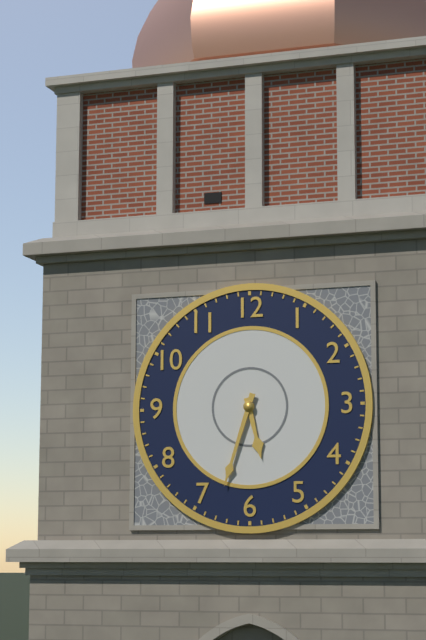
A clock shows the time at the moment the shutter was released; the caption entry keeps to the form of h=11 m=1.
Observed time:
h=5 m=33
